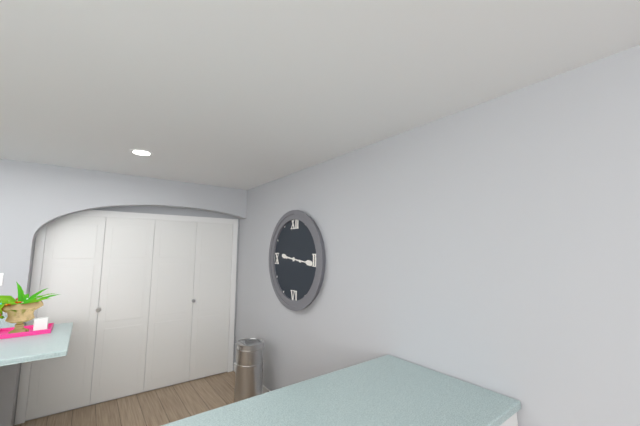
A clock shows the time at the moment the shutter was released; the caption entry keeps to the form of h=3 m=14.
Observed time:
h=9 m=16
